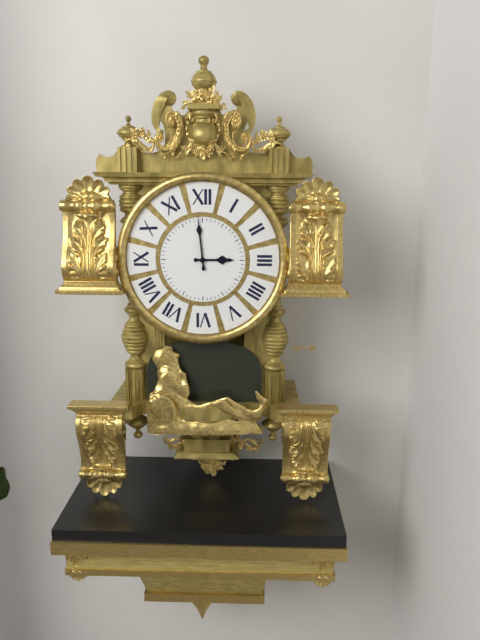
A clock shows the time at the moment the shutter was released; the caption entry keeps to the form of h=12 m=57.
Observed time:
h=2 m=59
